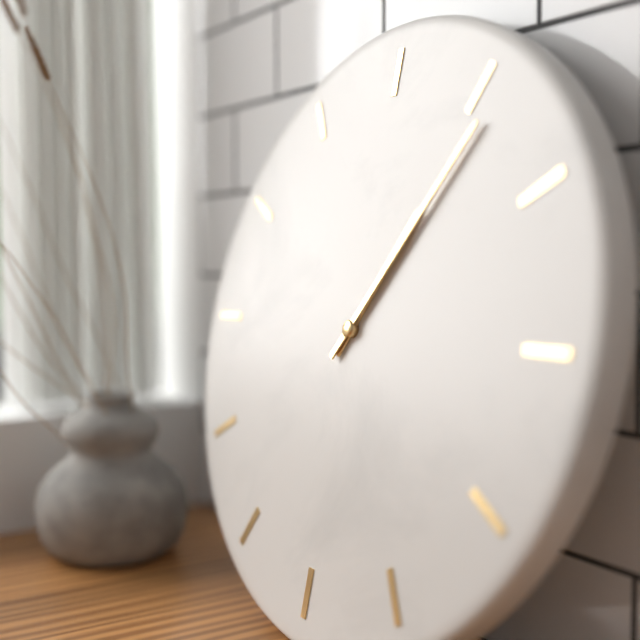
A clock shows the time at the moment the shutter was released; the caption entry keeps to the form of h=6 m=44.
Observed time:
h=1 m=6
